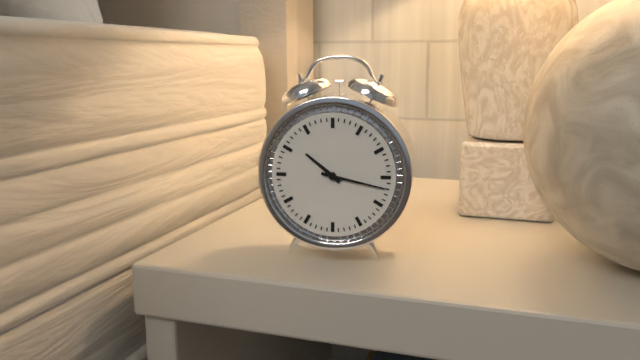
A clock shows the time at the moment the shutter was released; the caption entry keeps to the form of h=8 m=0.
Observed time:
h=10 m=17
